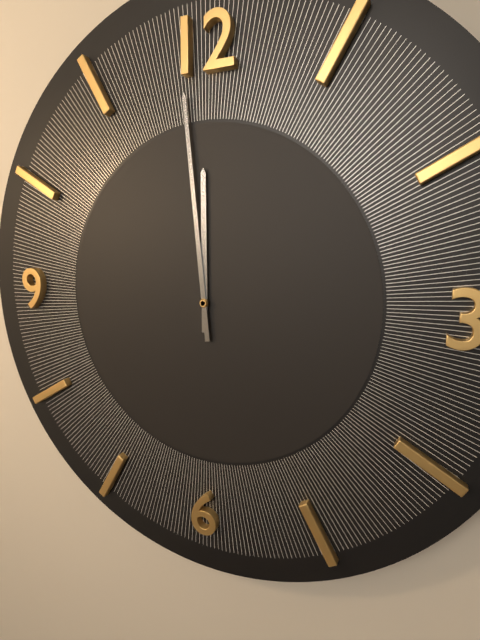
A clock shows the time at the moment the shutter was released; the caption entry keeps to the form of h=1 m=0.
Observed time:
h=11 m=59
